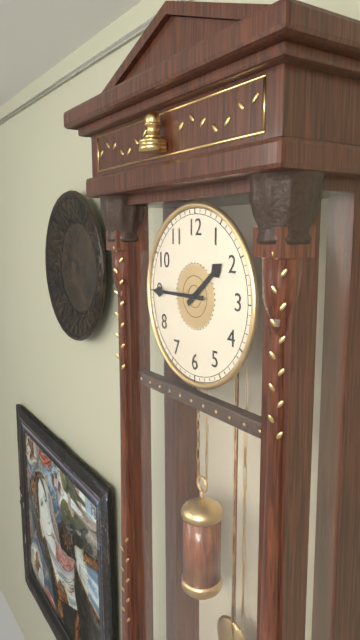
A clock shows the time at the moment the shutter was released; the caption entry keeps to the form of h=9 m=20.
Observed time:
h=1 m=45
